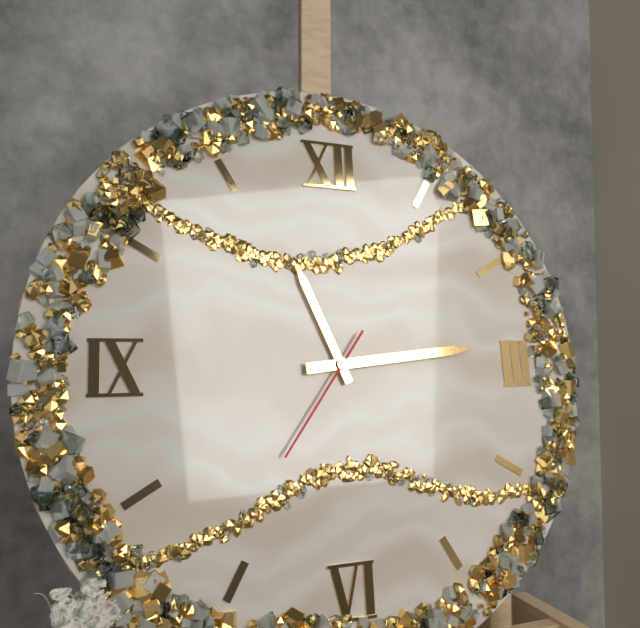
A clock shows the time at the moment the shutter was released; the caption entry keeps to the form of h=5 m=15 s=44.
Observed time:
h=11 m=14 s=36
